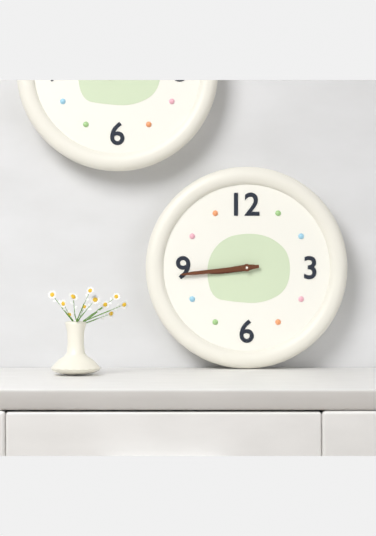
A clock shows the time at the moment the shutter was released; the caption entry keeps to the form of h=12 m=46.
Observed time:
h=8 m=44
